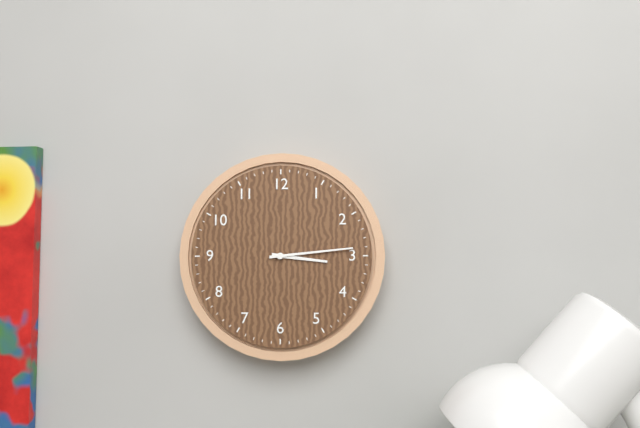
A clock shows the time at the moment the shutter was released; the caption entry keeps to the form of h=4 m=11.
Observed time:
h=3 m=14
